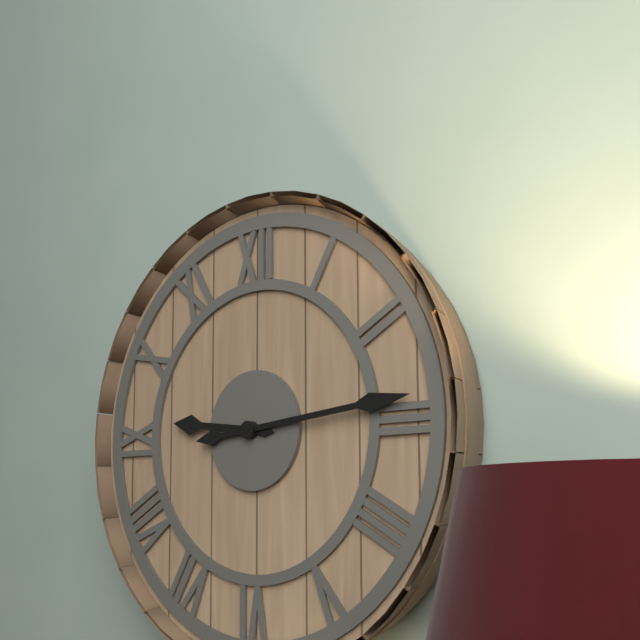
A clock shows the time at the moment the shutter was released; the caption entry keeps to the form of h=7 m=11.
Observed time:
h=9 m=14
